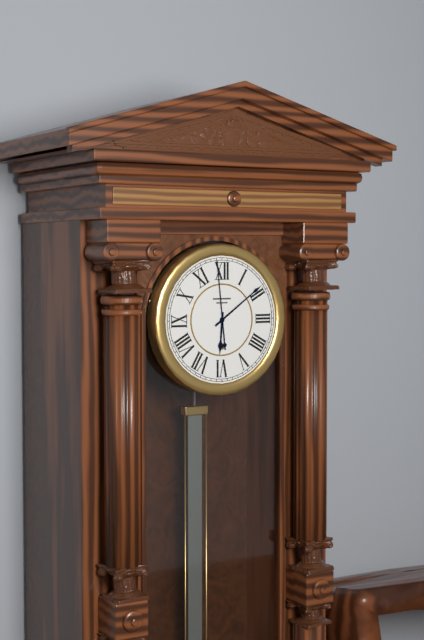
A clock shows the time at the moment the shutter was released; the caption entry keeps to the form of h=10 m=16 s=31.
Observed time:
h=6 m=9 s=59
